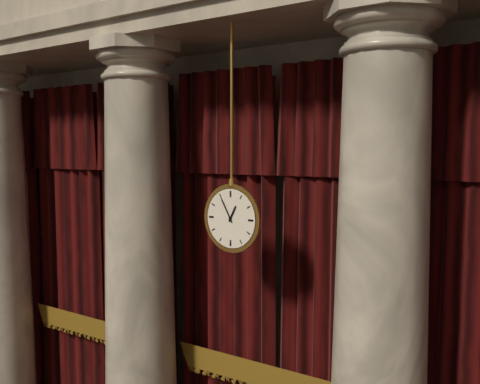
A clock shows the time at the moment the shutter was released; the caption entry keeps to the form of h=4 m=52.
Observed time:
h=12 m=55
